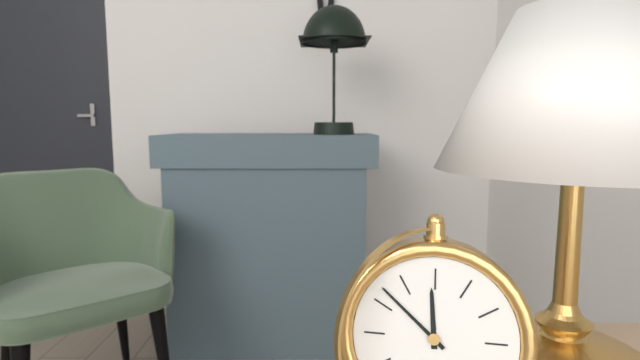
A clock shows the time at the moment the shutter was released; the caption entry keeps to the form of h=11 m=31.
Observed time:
h=11 m=52
